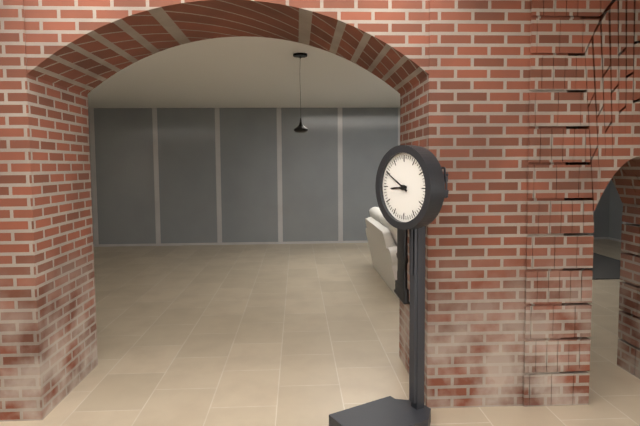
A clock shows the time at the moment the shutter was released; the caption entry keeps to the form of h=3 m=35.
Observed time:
h=8 m=50
